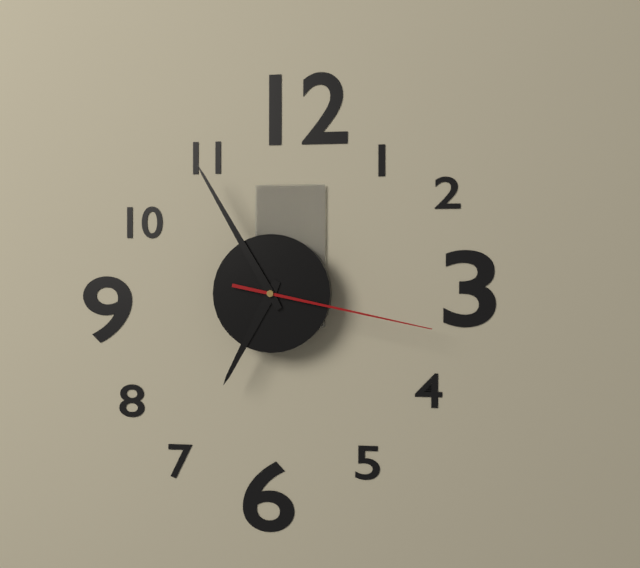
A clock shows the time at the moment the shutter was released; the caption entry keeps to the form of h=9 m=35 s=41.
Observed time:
h=6 m=55 s=17
